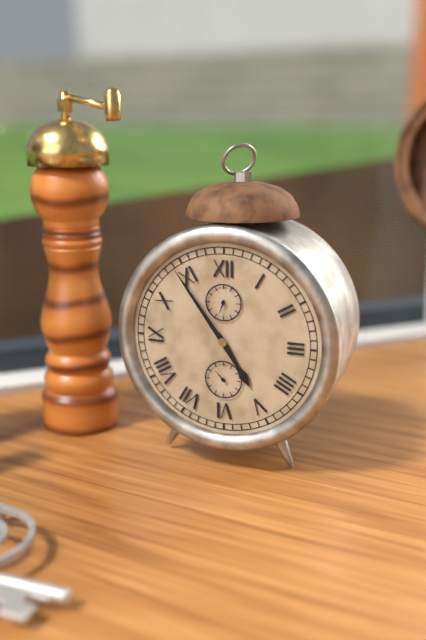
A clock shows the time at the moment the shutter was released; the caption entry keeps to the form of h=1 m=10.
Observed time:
h=4 m=54
